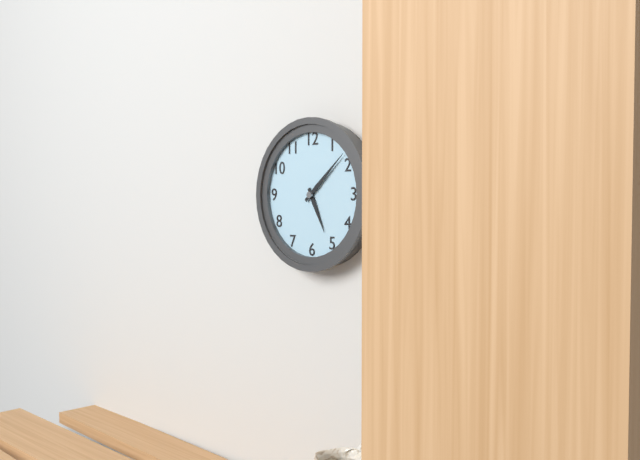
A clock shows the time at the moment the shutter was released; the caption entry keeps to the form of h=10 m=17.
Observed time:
h=5 m=8
